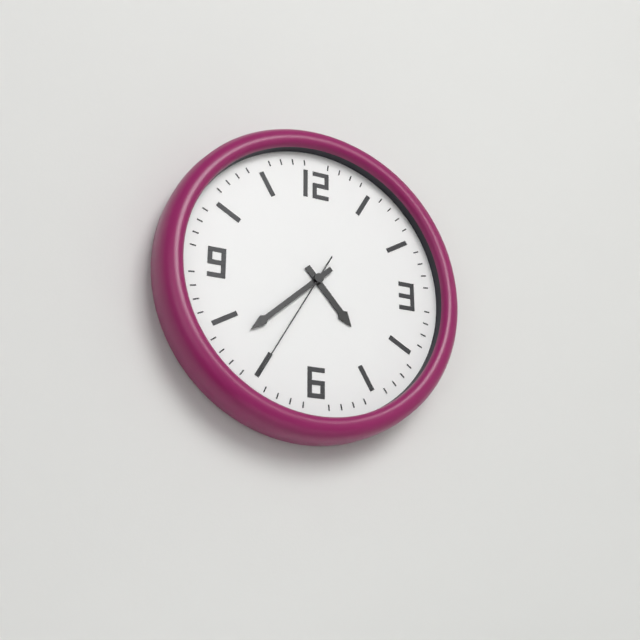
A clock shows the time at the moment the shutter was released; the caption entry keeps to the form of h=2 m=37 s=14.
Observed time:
h=4 m=38 s=35
